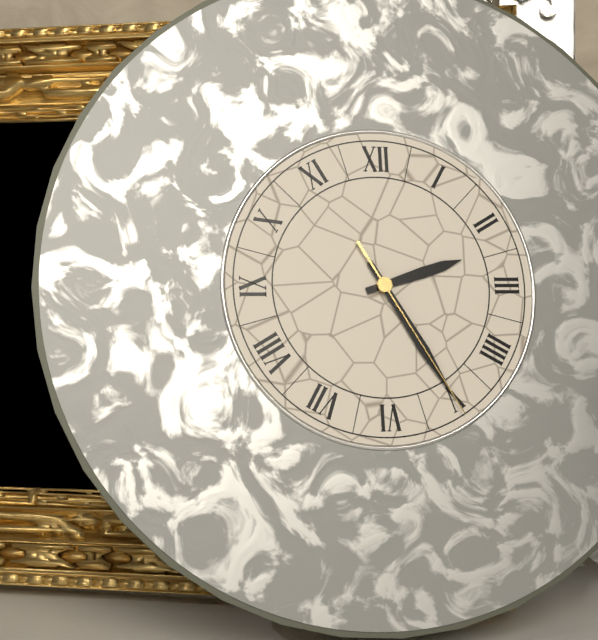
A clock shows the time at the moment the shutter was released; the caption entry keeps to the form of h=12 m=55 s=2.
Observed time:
h=2 m=25 s=25
